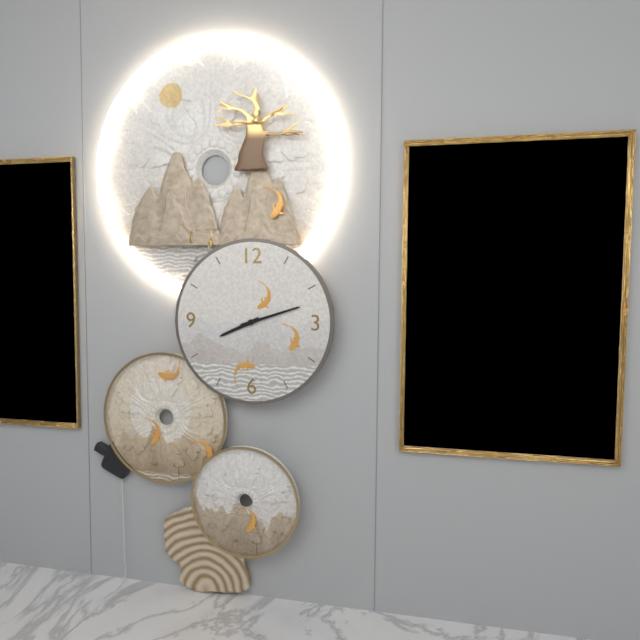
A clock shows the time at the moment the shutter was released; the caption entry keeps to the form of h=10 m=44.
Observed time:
h=8 m=12
